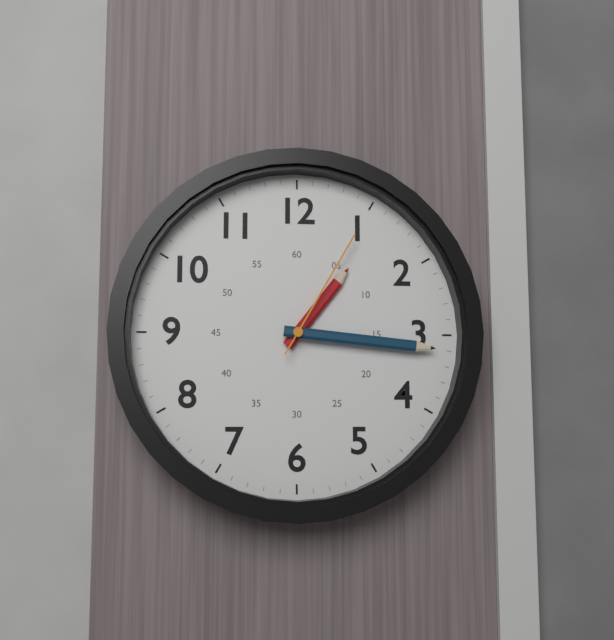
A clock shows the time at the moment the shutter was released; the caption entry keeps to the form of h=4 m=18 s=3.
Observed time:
h=1 m=16 s=5
